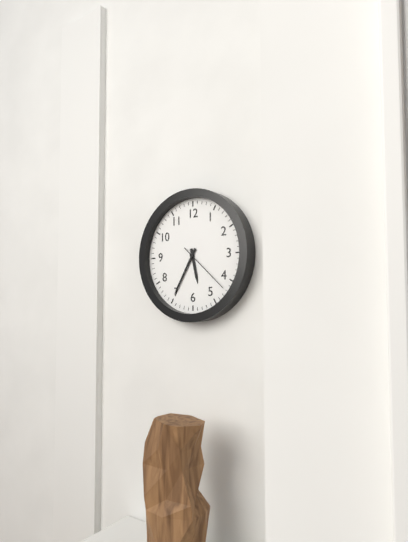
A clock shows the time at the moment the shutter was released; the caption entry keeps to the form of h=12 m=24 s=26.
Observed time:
h=5 m=35 s=22
